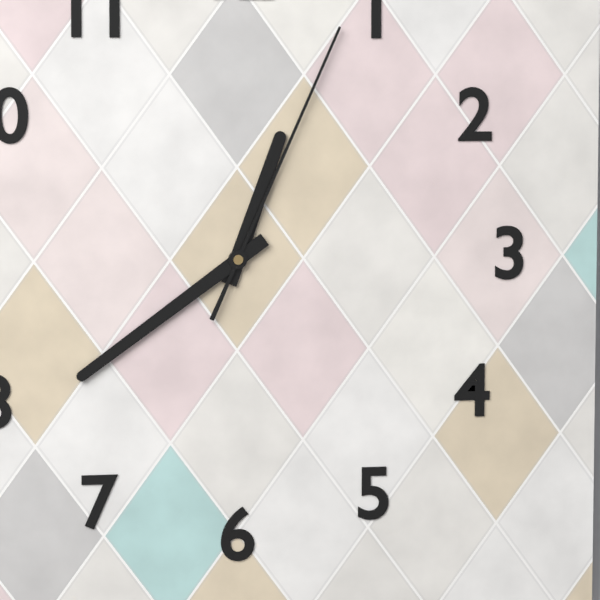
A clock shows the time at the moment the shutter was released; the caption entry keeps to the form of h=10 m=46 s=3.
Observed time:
h=12 m=39 s=4
